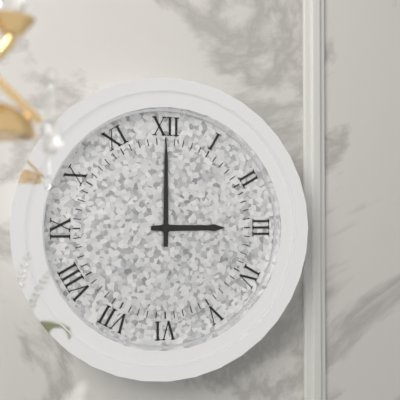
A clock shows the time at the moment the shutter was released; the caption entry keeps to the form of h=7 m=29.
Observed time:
h=3 m=0
